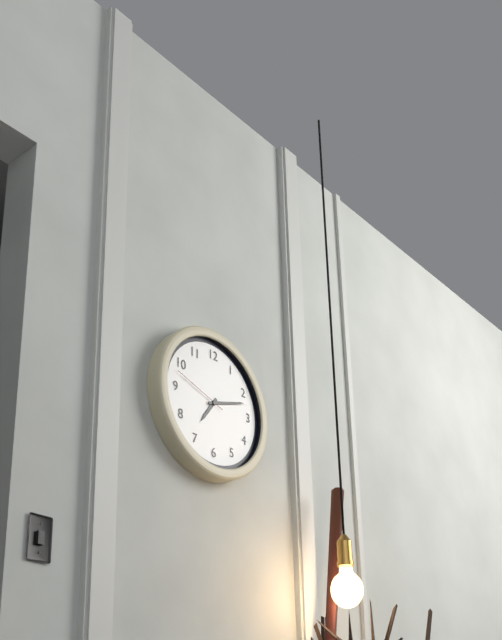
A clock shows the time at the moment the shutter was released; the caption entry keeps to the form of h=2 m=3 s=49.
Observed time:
h=7 m=12 s=48
